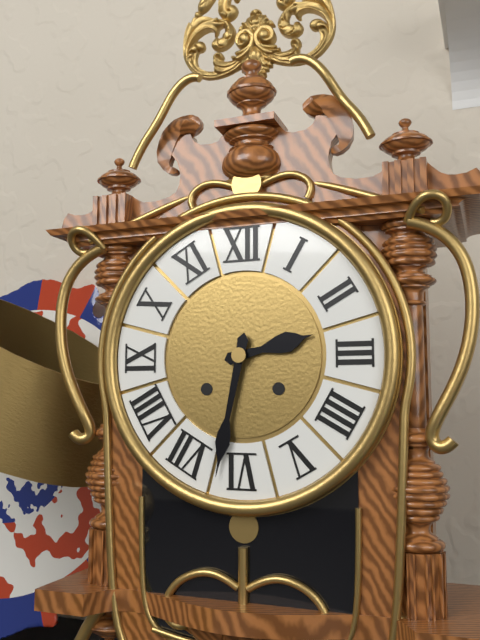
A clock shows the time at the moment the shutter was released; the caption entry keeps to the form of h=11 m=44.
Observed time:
h=2 m=32
